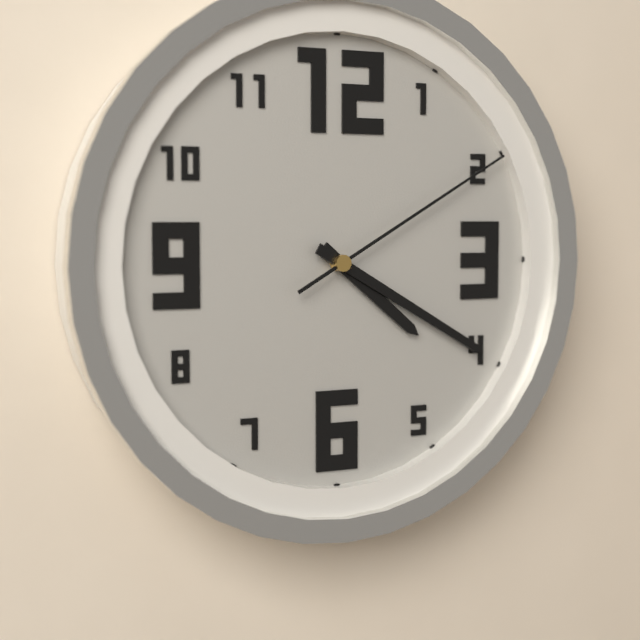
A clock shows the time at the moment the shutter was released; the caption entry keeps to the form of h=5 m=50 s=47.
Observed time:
h=4 m=20 s=10
